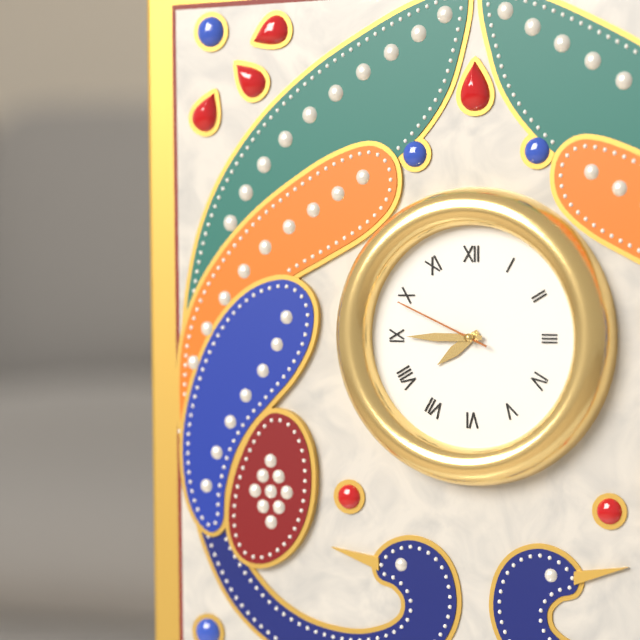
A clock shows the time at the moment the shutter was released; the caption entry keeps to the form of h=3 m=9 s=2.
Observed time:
h=7 m=45 s=49
